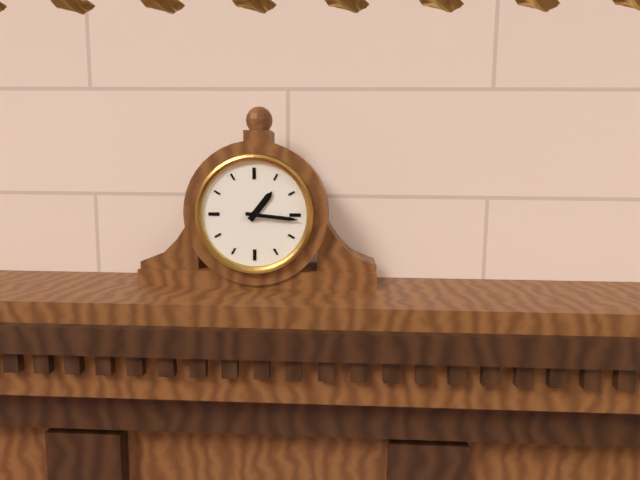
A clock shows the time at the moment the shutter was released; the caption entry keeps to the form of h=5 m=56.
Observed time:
h=1 m=16
